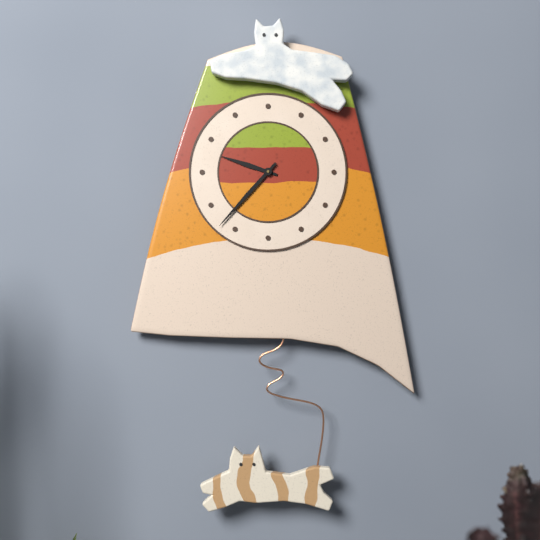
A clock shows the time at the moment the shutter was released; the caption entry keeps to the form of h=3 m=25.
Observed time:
h=9 m=37
